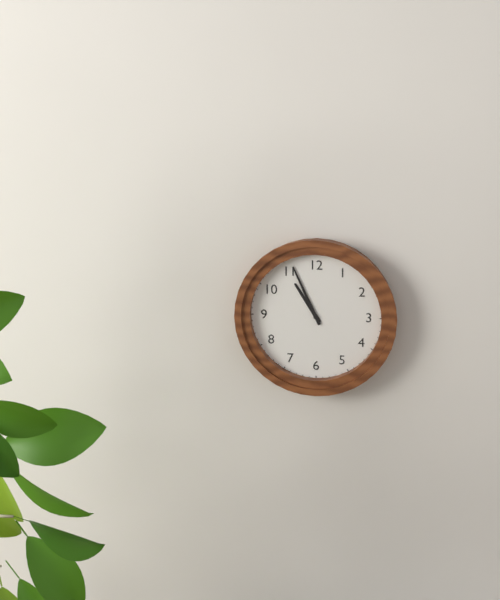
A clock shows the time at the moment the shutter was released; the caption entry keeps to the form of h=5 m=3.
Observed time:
h=10 m=56
